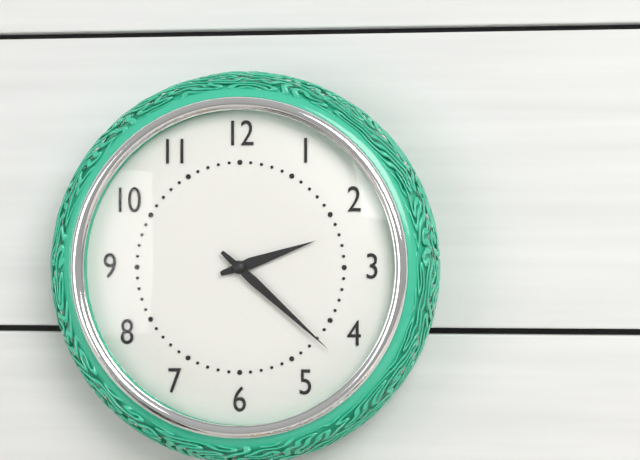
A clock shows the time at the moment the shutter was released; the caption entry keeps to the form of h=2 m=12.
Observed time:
h=2 m=22
